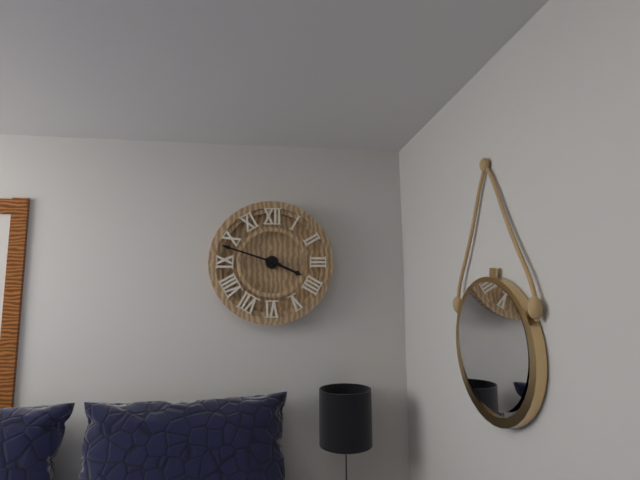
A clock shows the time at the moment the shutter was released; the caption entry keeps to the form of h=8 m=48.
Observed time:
h=3 m=48
